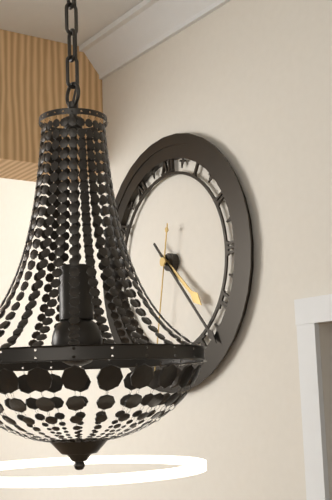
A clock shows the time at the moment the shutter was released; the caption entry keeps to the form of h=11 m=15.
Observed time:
h=4 m=23
